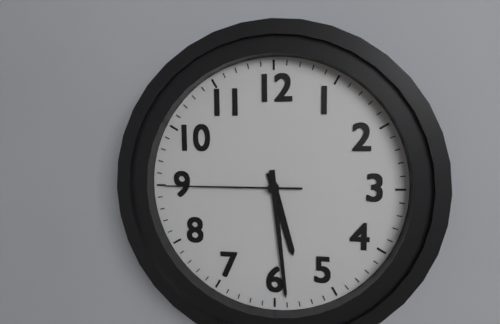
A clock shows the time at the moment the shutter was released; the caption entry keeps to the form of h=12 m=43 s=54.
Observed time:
h=5 m=29 s=45
